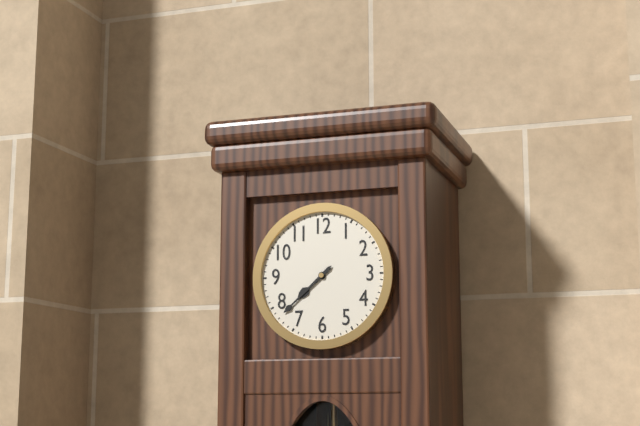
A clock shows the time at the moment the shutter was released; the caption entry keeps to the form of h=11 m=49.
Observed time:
h=7 m=38
